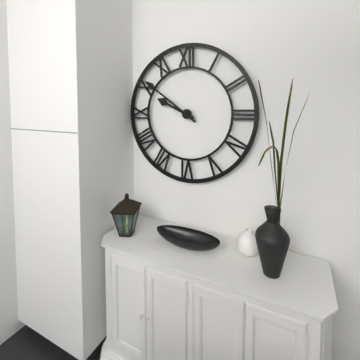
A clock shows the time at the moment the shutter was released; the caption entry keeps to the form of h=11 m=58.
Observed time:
h=9 m=51
